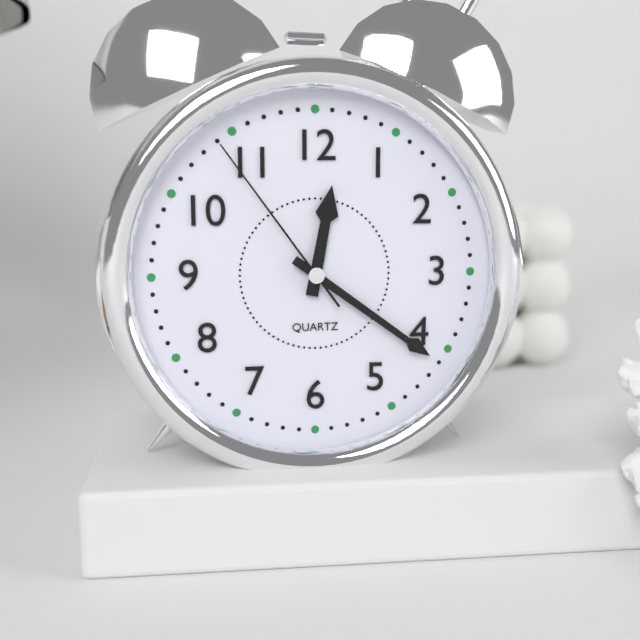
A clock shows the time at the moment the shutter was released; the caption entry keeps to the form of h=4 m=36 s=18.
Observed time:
h=12 m=21 s=54
